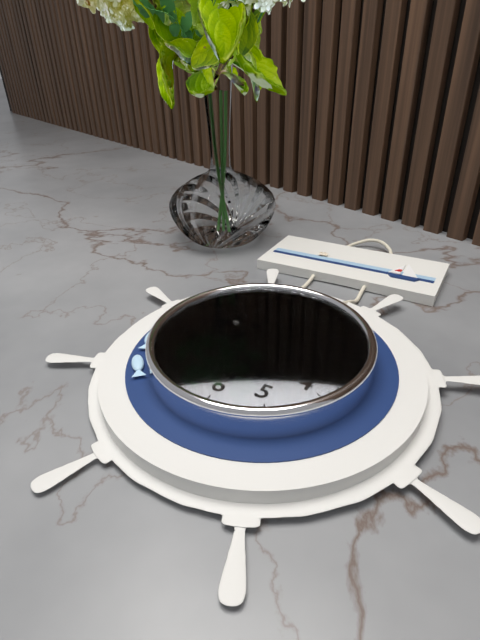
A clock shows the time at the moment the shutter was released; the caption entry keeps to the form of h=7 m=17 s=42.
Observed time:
h=10 m=54 s=44
